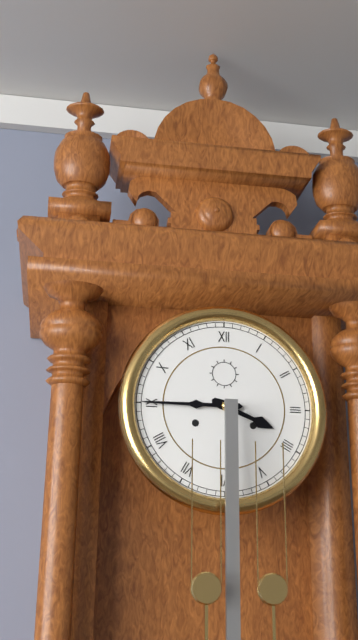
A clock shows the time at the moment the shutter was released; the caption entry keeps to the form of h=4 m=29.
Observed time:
h=3 m=45
